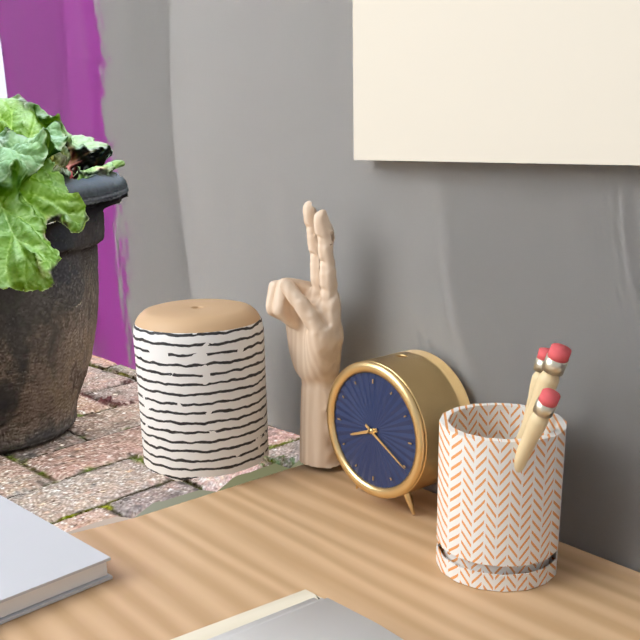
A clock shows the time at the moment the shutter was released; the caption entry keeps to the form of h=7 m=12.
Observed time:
h=8 m=20
